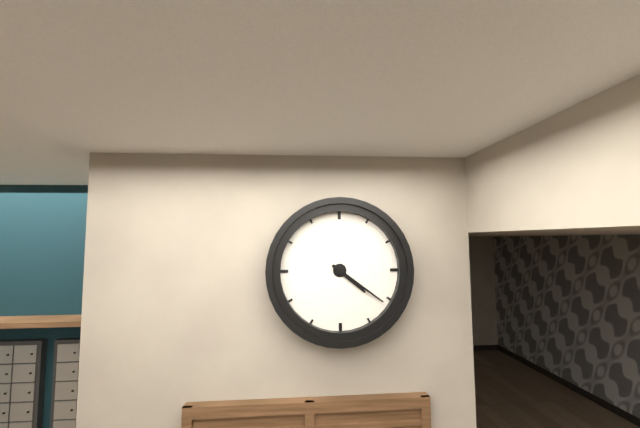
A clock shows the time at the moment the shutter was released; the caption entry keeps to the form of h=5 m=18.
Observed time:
h=4 m=21
